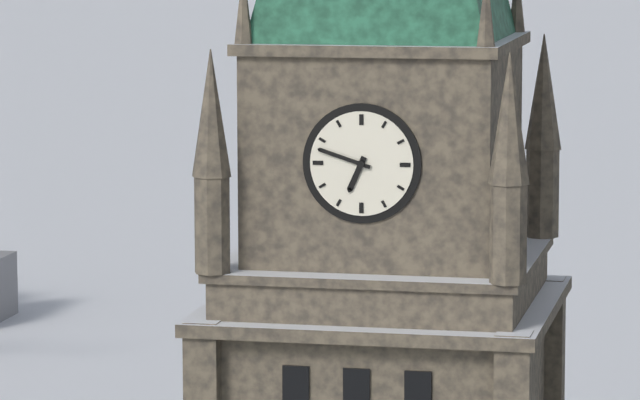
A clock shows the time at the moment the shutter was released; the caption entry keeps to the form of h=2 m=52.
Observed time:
h=6 m=48
